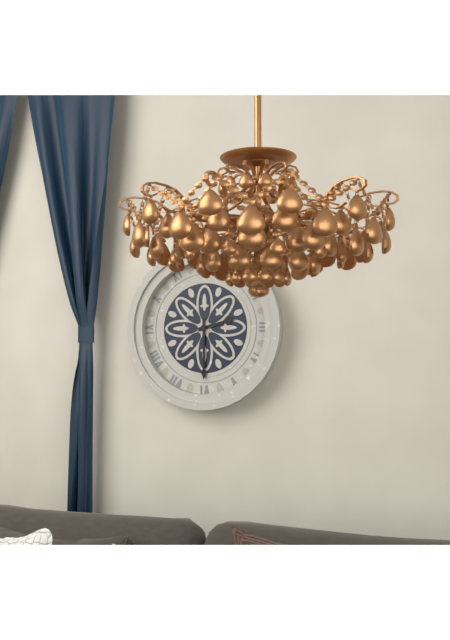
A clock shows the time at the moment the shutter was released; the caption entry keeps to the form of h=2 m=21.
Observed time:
h=2 m=30
